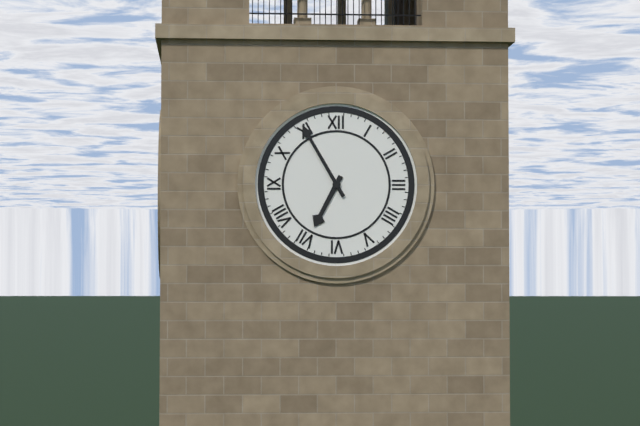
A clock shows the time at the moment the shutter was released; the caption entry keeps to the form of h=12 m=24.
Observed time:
h=6 m=55
